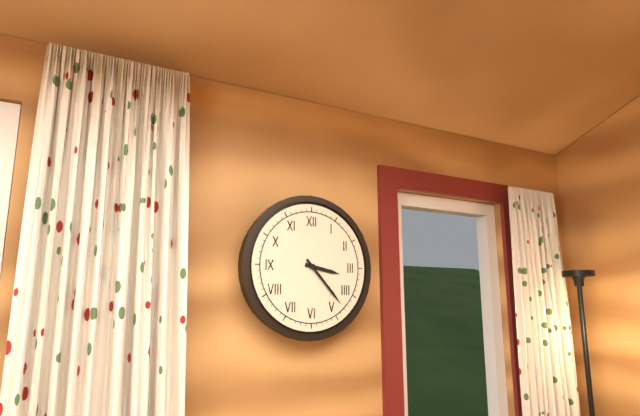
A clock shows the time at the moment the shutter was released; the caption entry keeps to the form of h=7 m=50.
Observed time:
h=3 m=23
